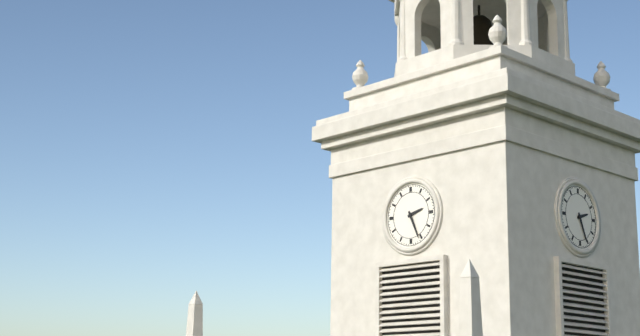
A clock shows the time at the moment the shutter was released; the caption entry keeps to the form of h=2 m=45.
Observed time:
h=2 m=26
